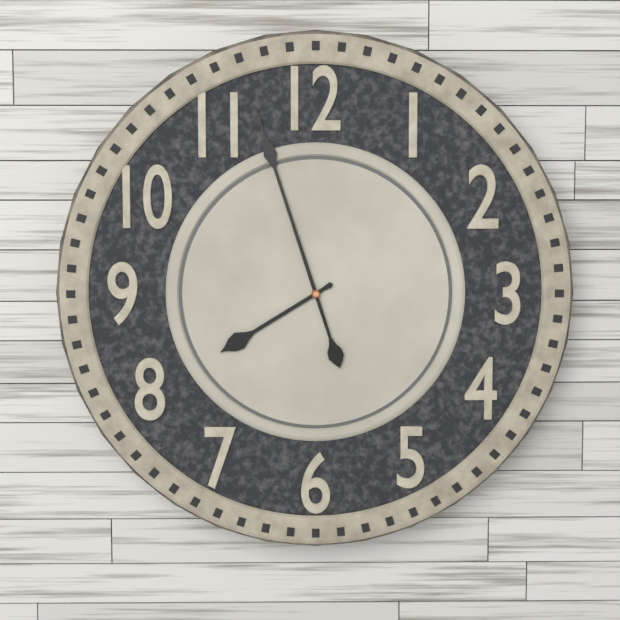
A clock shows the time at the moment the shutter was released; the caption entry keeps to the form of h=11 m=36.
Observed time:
h=7 m=57
